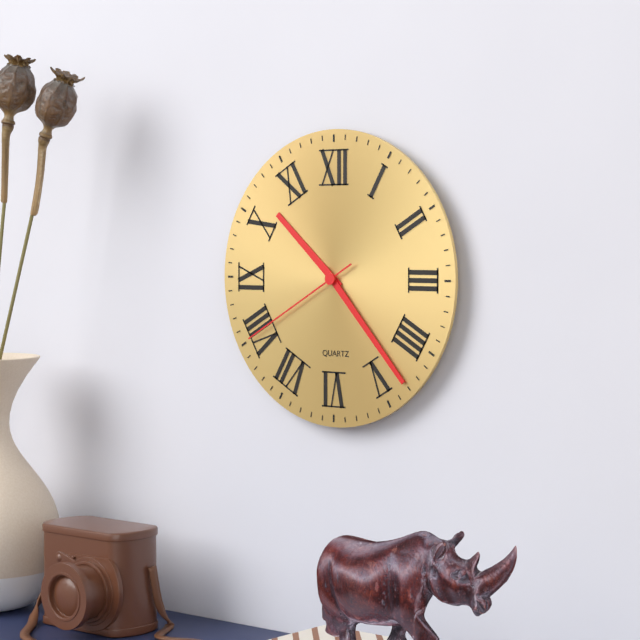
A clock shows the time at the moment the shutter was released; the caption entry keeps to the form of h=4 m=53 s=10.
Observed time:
h=10 m=23 s=40
